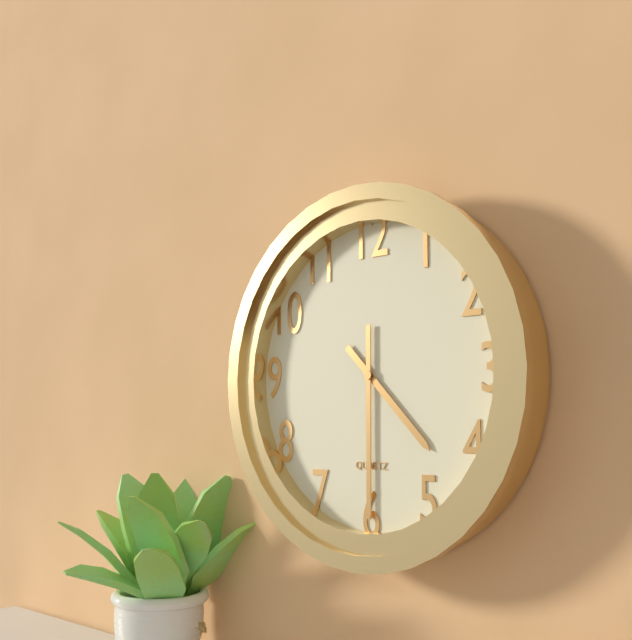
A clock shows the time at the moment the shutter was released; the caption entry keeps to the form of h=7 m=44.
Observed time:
h=4 m=30
